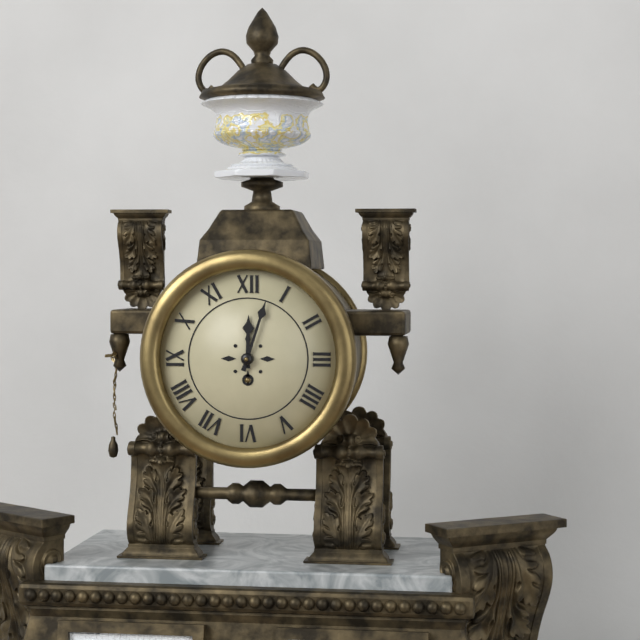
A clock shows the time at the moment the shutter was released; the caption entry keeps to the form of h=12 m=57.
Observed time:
h=12 m=3
